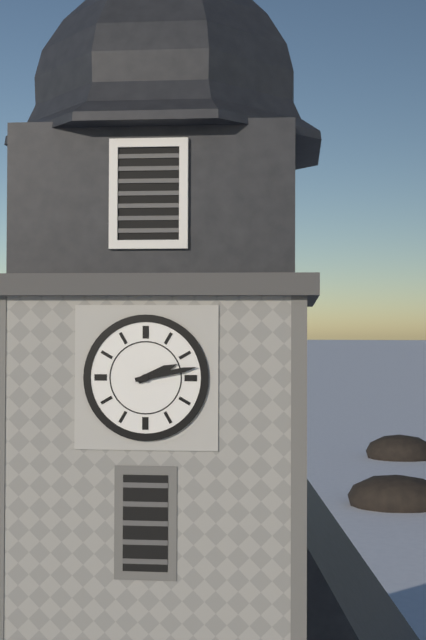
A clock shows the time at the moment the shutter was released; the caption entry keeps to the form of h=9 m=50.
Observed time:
h=2 m=13
